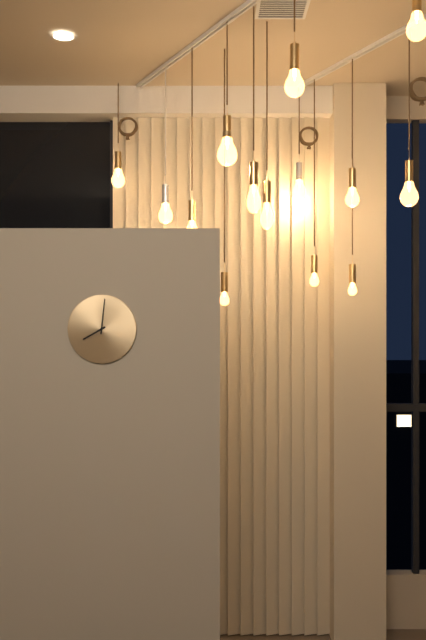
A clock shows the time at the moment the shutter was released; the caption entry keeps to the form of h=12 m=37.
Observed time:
h=8 m=1
